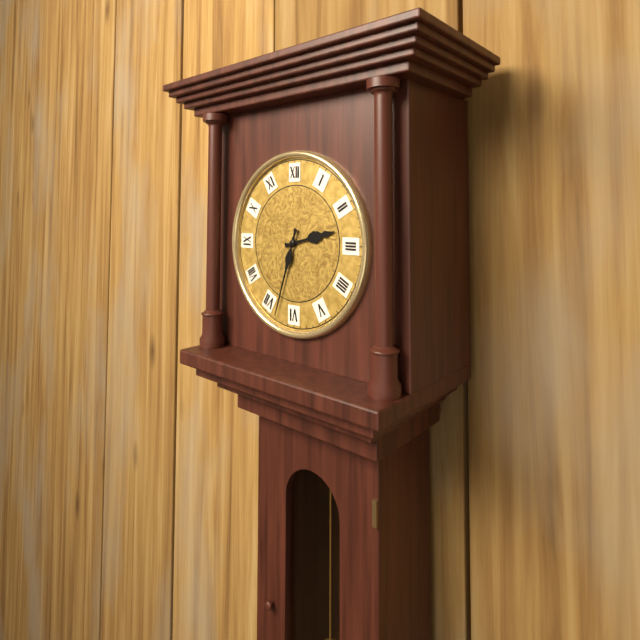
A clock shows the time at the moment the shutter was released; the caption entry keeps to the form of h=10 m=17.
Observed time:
h=2 m=33
